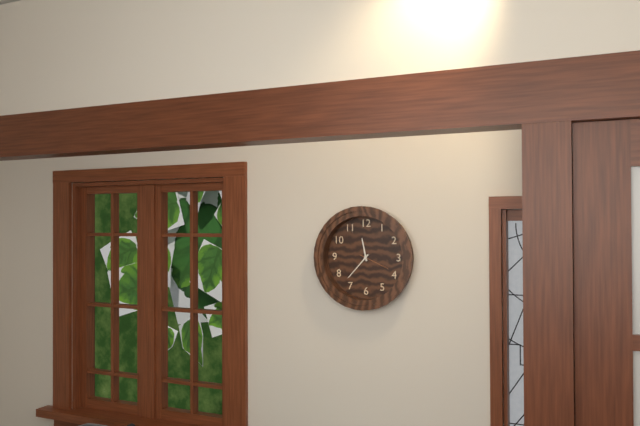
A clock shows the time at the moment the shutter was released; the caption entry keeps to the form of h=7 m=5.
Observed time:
h=11 m=37
